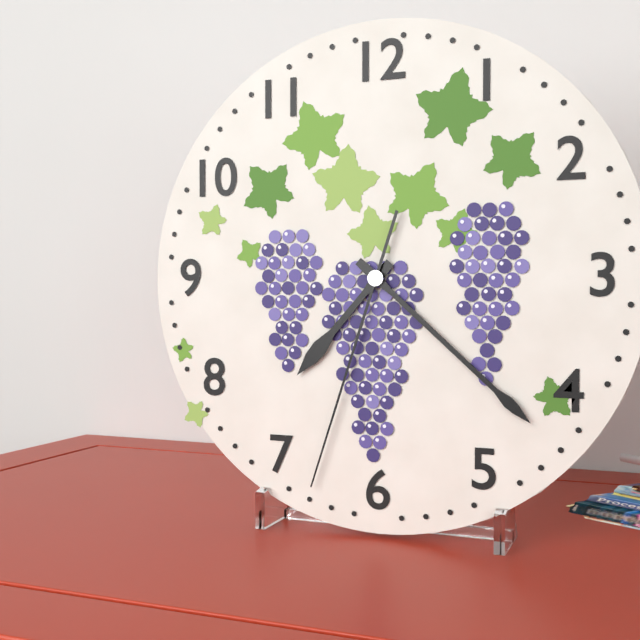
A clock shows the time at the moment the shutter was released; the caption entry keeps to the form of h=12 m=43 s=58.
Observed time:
h=7 m=22 s=33
